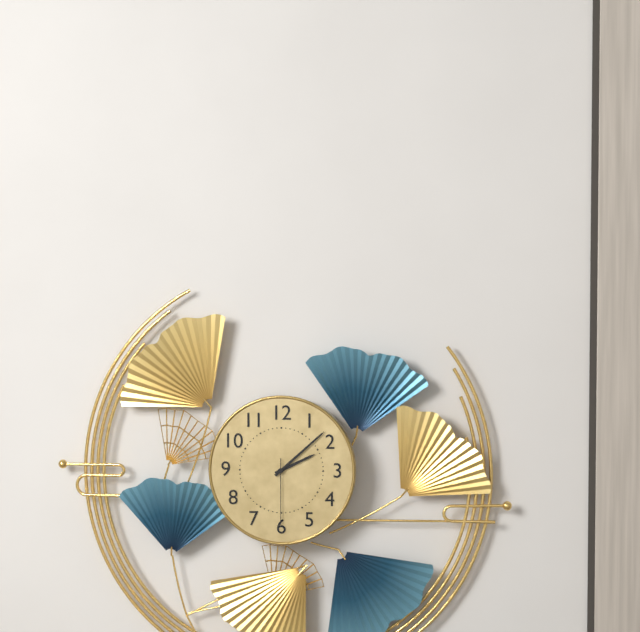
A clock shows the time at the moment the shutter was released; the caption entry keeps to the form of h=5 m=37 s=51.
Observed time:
h=2 m=8 s=30
